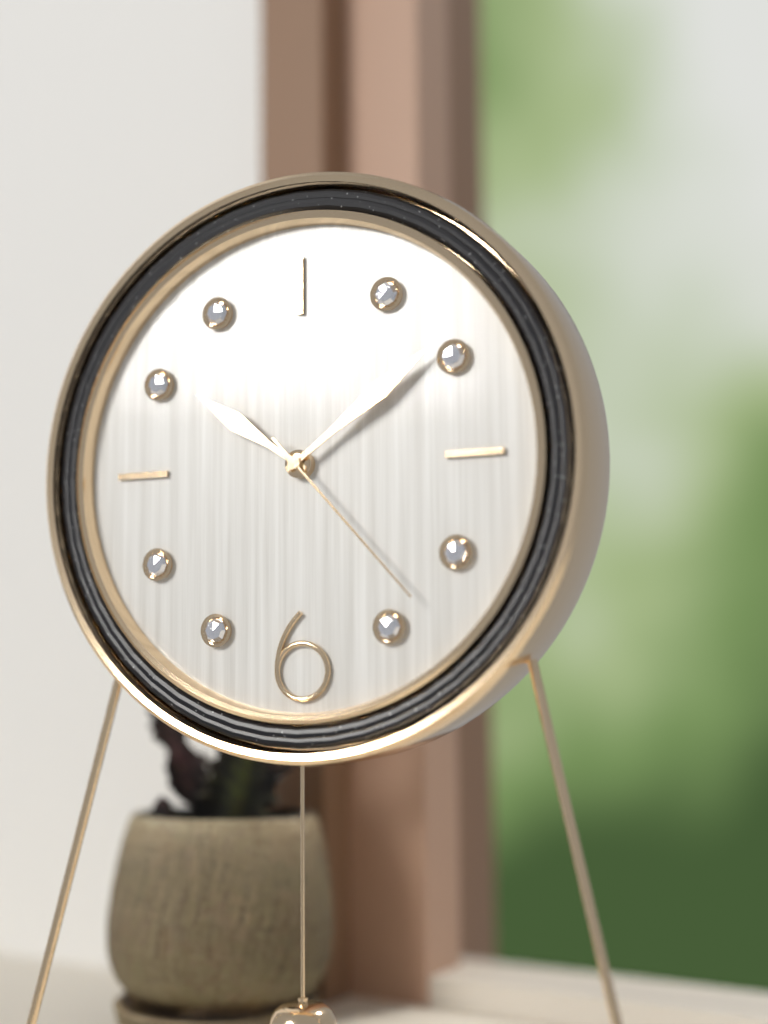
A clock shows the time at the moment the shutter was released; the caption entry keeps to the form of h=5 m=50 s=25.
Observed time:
h=10 m=9 s=23
